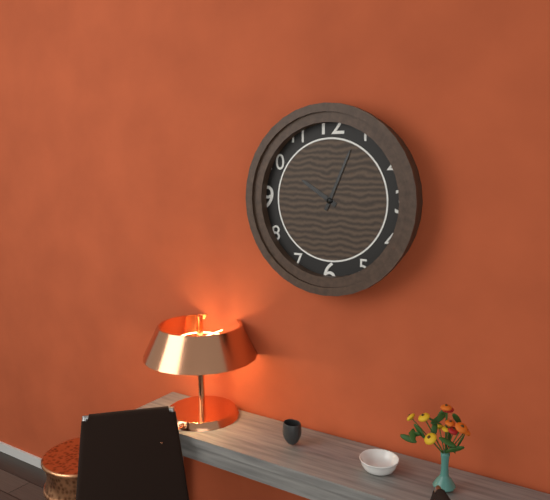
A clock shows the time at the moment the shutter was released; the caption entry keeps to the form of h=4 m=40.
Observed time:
h=10 m=4
